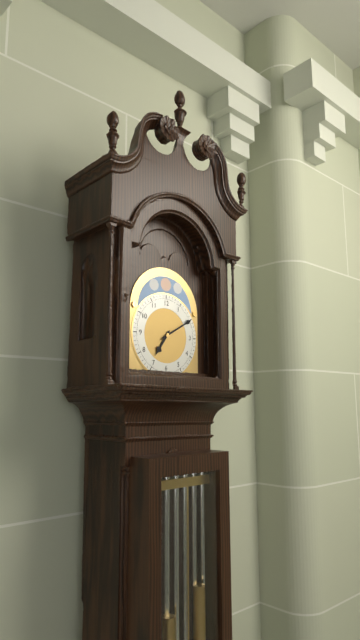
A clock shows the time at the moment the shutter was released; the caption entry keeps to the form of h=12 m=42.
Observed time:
h=7 m=10
